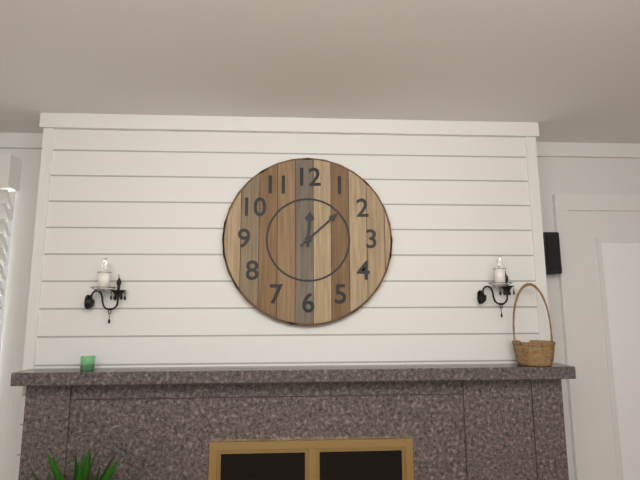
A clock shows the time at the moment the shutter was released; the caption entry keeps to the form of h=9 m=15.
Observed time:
h=12 m=8
